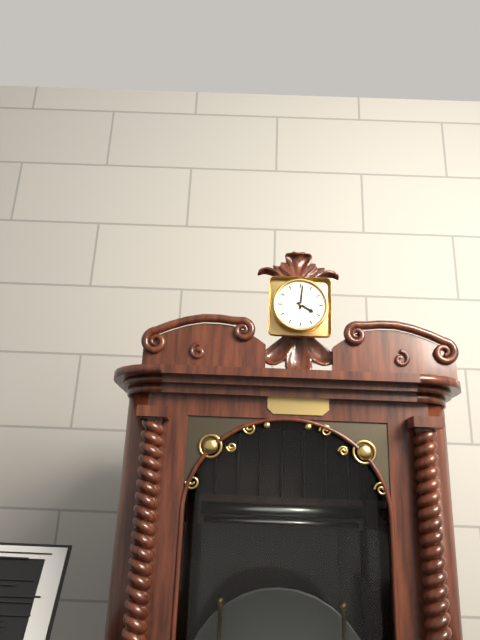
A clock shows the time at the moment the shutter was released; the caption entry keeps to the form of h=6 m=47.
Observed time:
h=4 m=1
